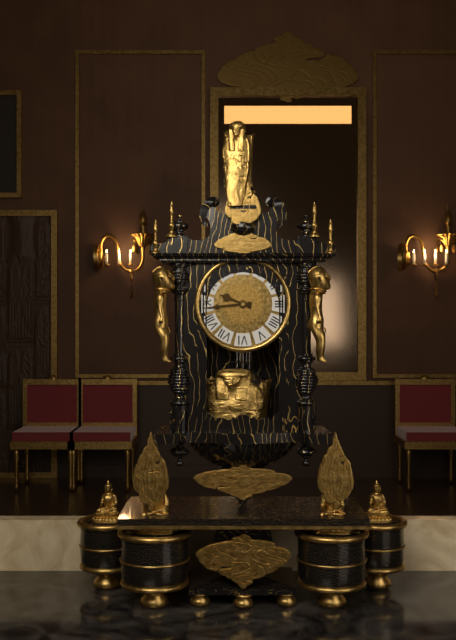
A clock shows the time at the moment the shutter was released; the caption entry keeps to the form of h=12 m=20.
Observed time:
h=9 m=44
